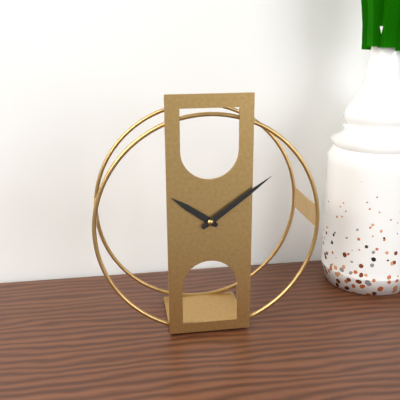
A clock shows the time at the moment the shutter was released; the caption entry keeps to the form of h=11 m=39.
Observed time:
h=10 m=9
